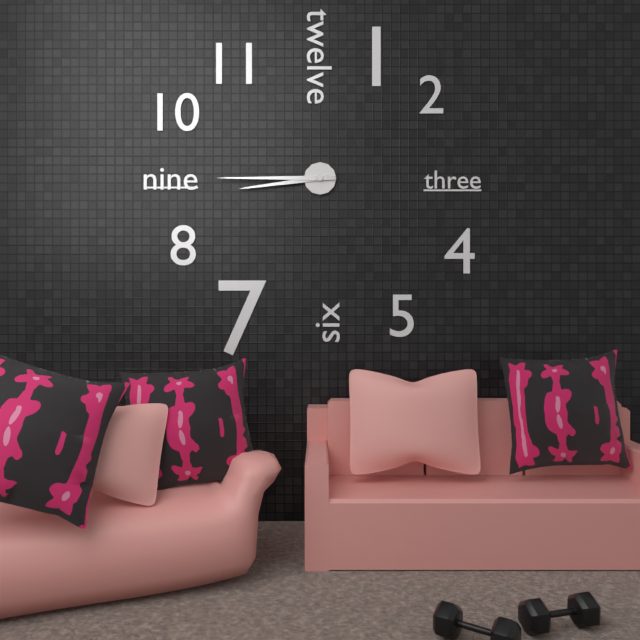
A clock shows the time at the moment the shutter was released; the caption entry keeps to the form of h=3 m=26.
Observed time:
h=8 m=45
